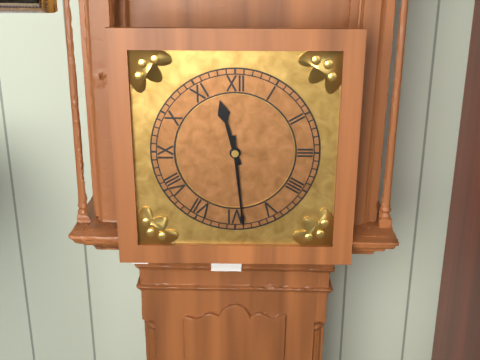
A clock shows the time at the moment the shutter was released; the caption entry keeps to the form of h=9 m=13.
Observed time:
h=11 m=29
